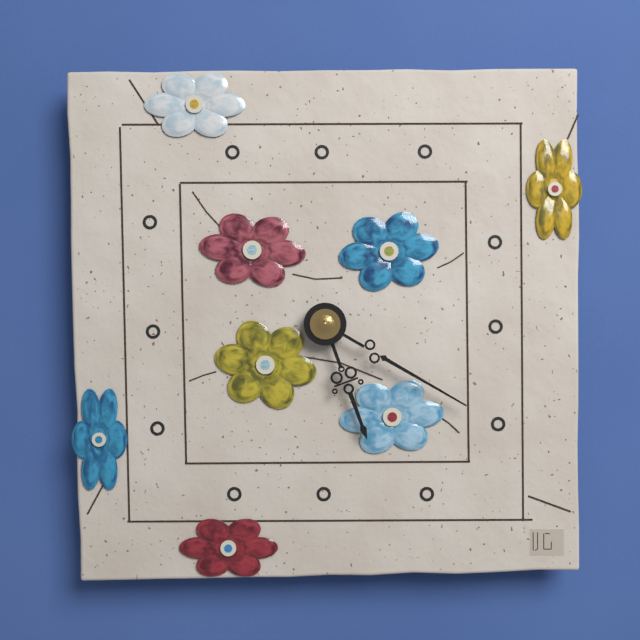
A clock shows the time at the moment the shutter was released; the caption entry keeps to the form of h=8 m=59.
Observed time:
h=5 m=20
